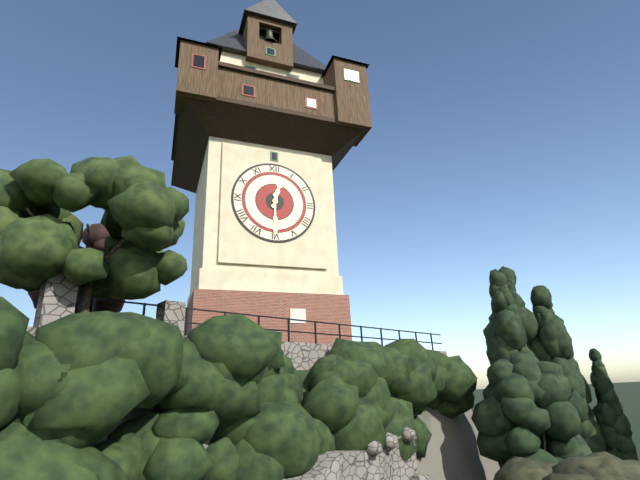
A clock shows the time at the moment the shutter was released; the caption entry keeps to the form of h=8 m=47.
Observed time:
h=12 m=30
